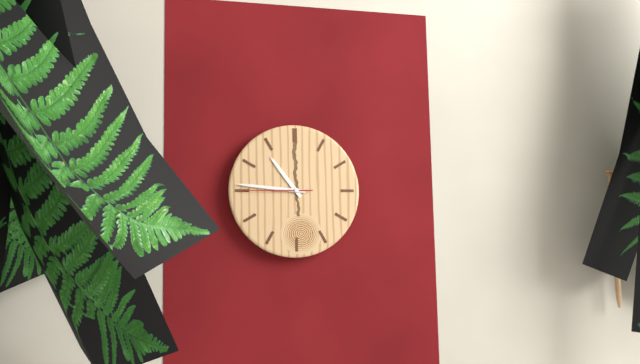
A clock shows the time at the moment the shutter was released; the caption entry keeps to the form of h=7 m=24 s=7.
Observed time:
h=10 m=46 s=45
